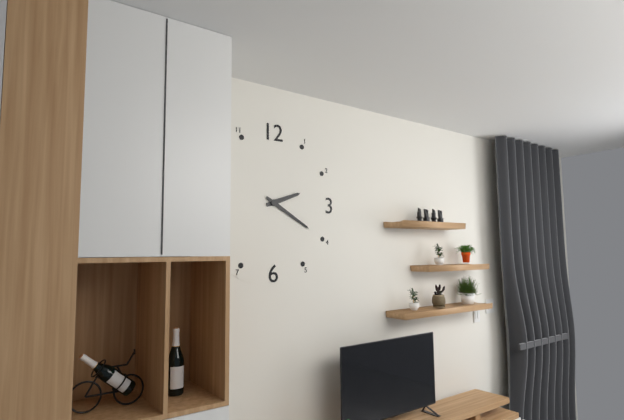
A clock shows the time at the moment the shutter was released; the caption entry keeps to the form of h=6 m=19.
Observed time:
h=2 m=20
